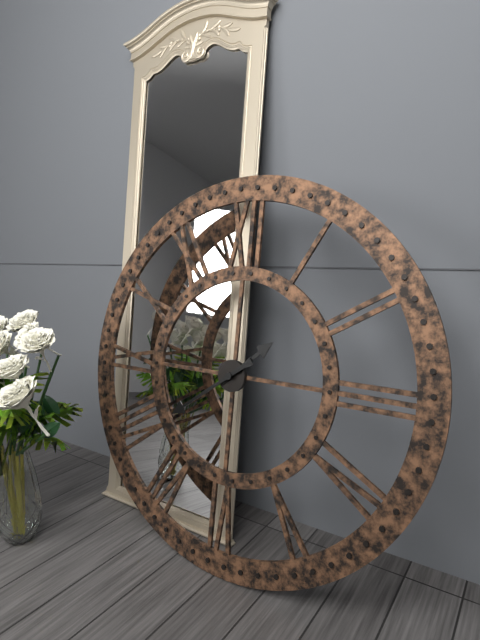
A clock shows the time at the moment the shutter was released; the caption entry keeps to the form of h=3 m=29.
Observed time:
h=1 m=39
